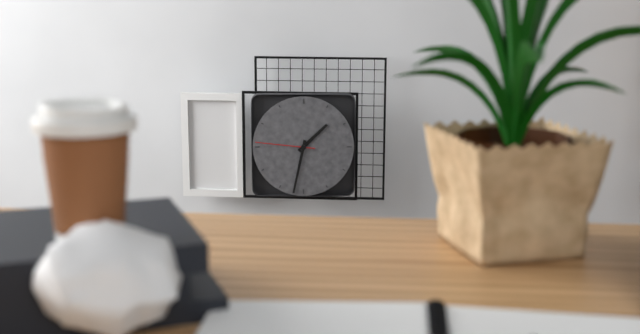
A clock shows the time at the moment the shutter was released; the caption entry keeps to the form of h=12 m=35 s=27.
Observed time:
h=1 m=32 s=46
